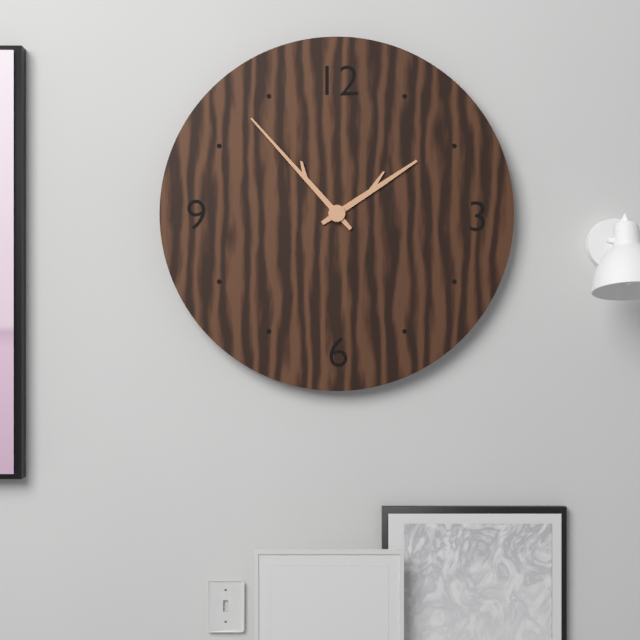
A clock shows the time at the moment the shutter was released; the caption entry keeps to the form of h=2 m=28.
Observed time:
h=1 m=53
